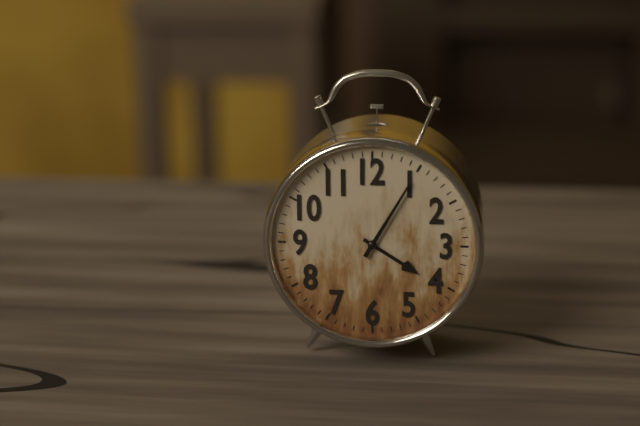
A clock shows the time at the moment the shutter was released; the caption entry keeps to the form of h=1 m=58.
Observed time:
h=4 m=5
